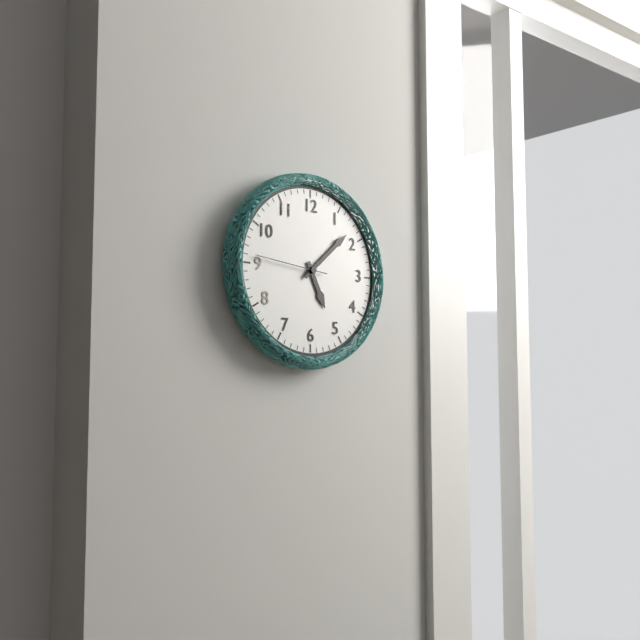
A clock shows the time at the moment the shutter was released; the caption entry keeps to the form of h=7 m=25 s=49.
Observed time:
h=5 m=8 s=46
